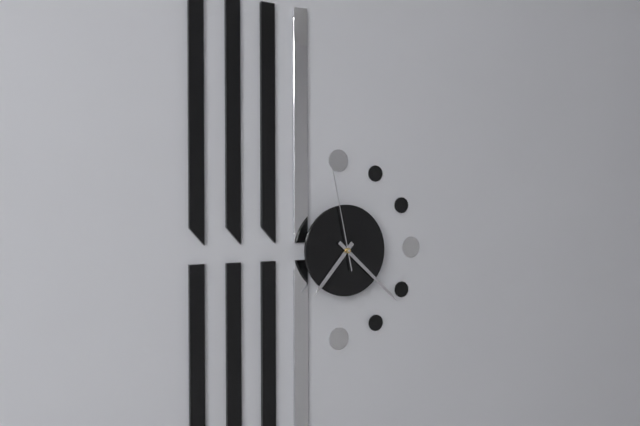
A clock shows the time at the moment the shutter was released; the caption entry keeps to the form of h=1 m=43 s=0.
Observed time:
h=7 m=22 s=58
